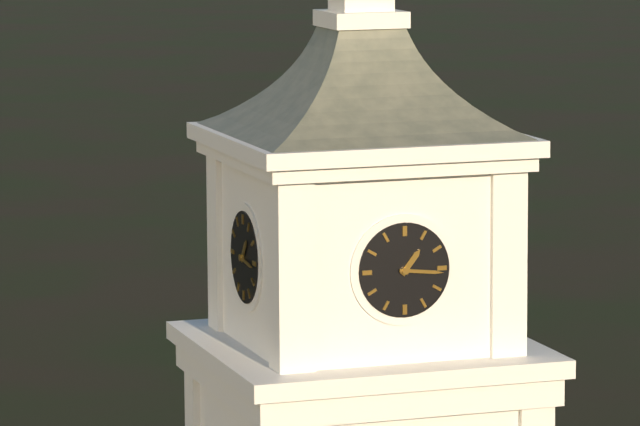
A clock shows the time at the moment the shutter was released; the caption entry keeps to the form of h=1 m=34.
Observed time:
h=1 m=16
